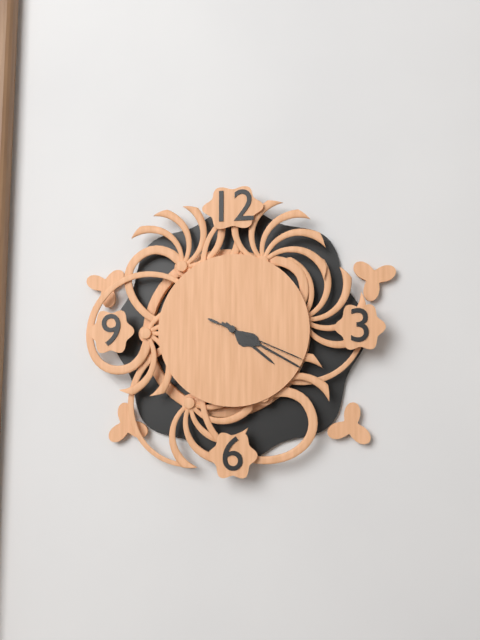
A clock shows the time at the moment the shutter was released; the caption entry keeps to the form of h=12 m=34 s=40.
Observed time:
h=4 m=20 s=19
